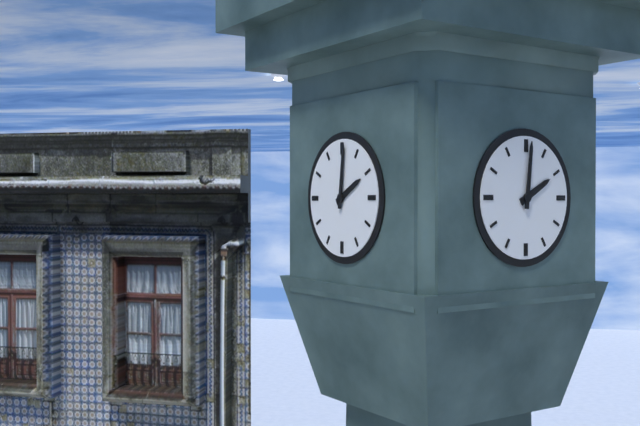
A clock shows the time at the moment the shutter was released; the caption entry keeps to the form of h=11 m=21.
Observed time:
h=2 m=1
